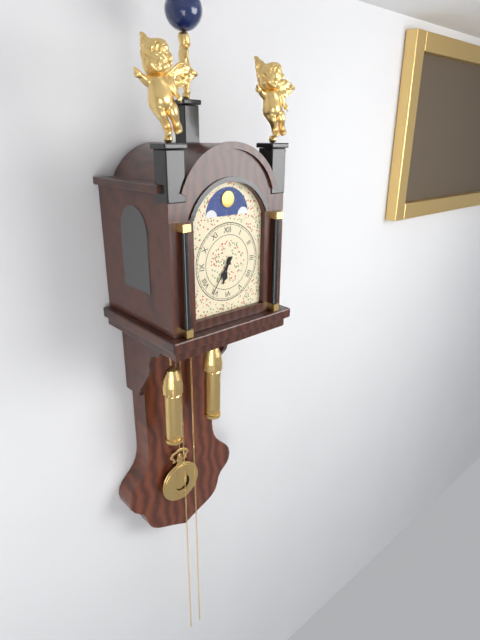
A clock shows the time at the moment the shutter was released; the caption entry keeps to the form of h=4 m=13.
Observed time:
h=6 m=36
